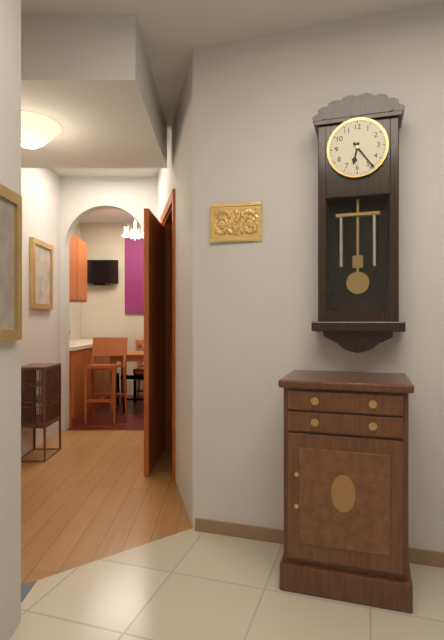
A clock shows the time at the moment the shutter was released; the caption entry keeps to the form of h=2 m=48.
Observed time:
h=6 m=24
